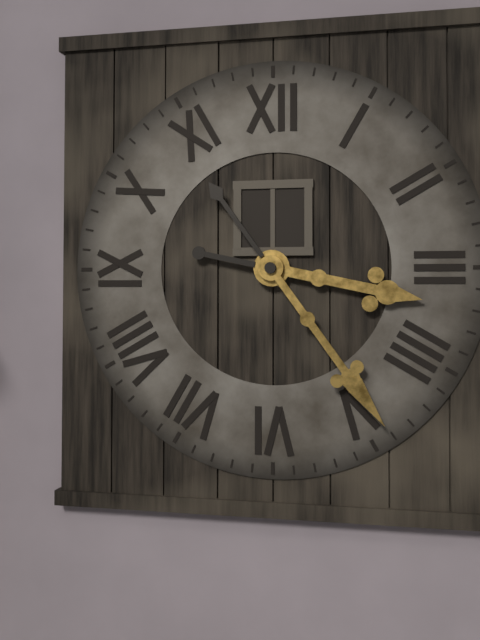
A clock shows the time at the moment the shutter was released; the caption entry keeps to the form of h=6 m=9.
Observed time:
h=3 m=24
